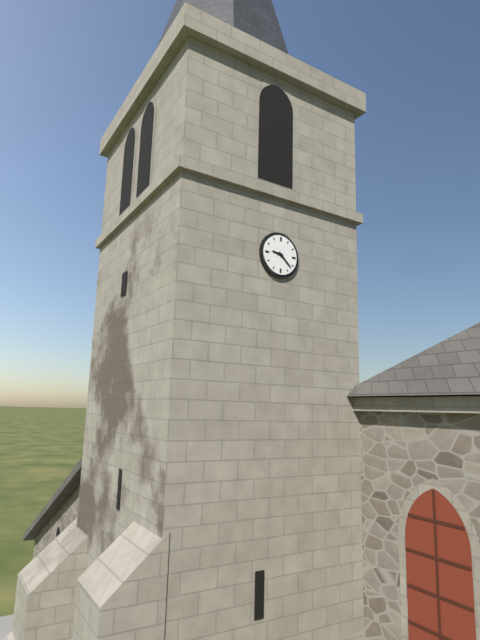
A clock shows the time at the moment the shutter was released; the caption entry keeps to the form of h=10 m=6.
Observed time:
h=9 m=22
